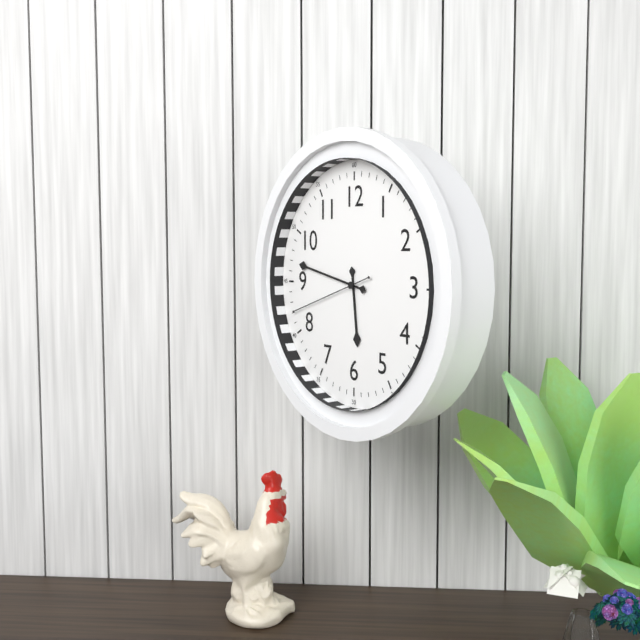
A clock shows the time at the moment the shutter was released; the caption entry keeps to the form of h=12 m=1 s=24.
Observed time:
h=5 m=47 s=42
